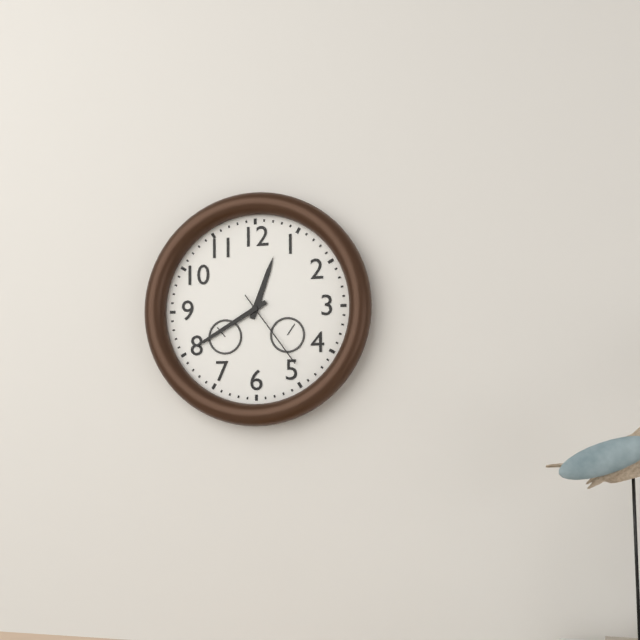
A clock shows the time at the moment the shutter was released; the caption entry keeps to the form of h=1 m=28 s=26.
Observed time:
h=12 m=40 s=24
